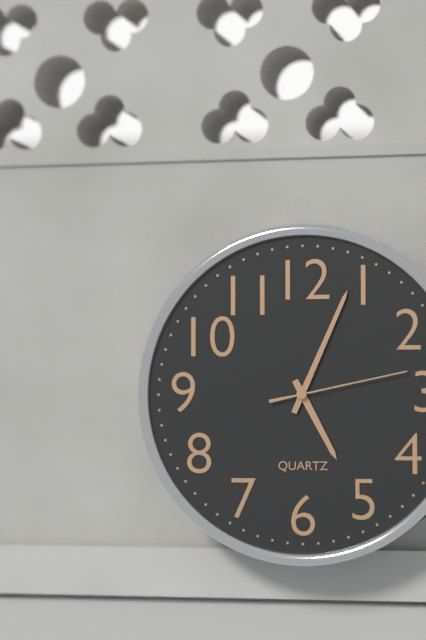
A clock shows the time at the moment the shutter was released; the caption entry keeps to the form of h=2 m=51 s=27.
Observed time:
h=5 m=4 s=13
